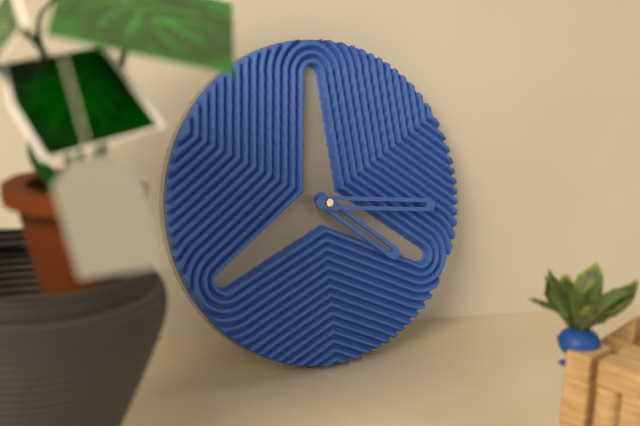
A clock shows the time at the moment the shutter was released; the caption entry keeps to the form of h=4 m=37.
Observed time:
h=4 m=16
